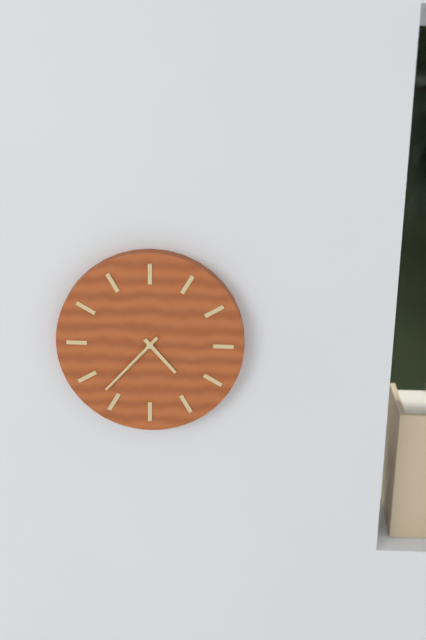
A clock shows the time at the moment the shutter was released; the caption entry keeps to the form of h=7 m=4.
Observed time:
h=4 m=37
